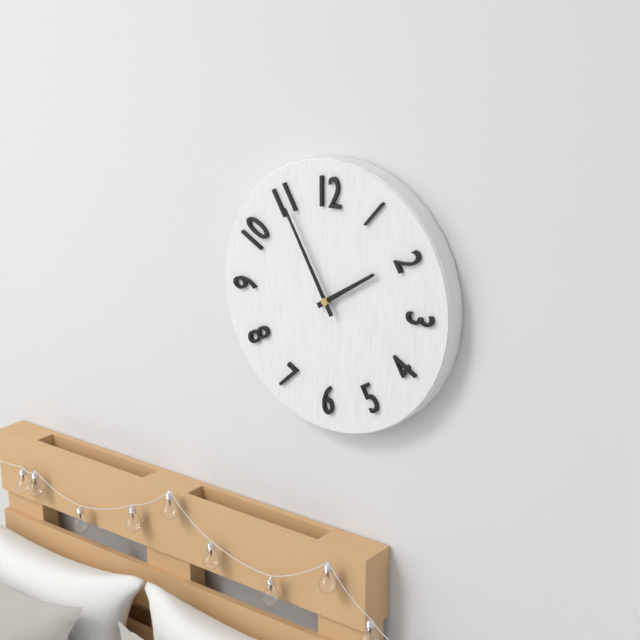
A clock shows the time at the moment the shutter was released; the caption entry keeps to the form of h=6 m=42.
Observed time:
h=1 m=55
